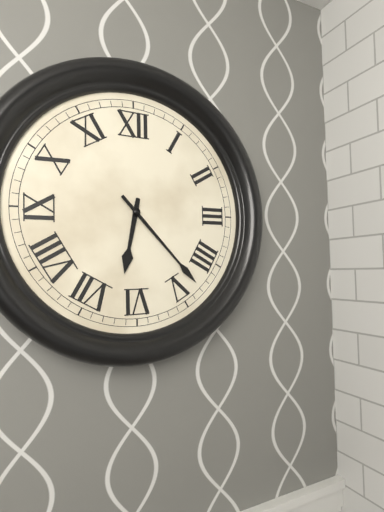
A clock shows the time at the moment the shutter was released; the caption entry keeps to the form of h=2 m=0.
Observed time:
h=6 m=23
